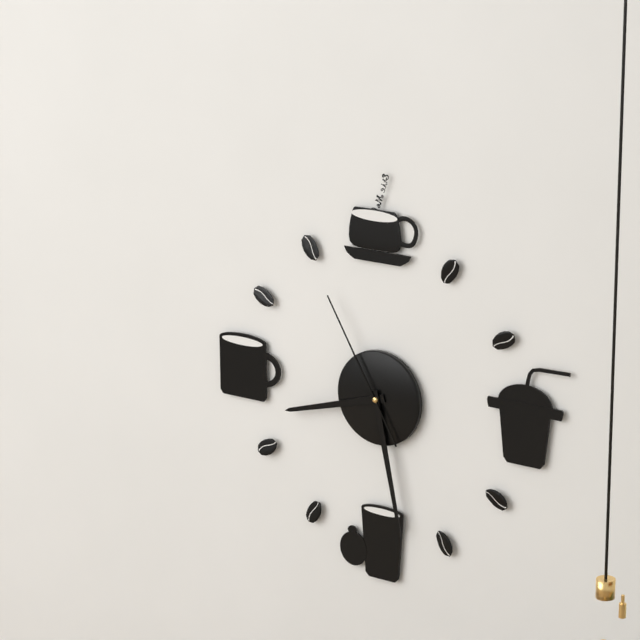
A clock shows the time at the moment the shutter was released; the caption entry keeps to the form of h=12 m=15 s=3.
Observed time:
h=8 m=28 s=55
